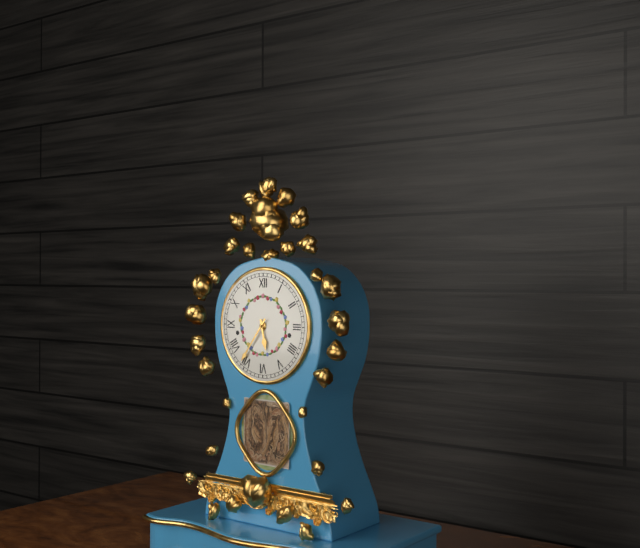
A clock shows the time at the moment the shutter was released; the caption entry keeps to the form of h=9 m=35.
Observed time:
h=5 m=36
